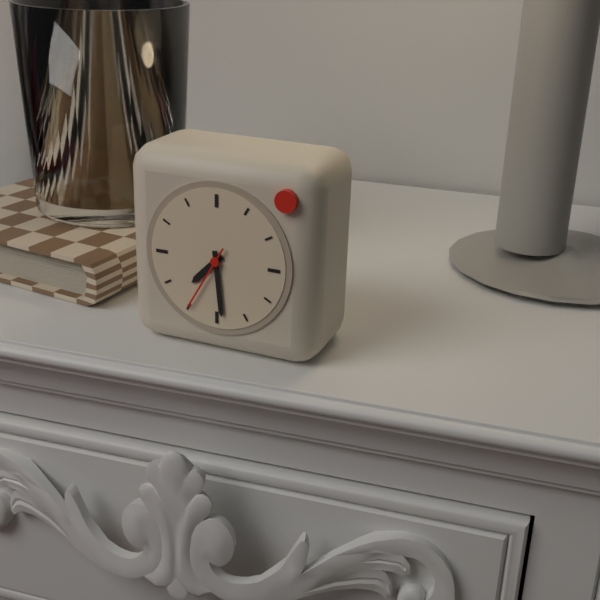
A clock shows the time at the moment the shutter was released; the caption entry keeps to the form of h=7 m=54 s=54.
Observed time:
h=7 m=29 s=35
